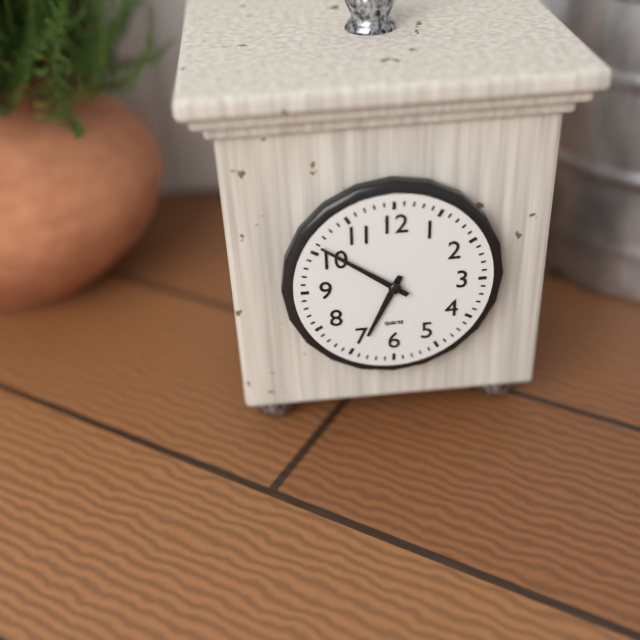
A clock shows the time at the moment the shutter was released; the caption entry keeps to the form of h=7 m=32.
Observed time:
h=6 m=51
